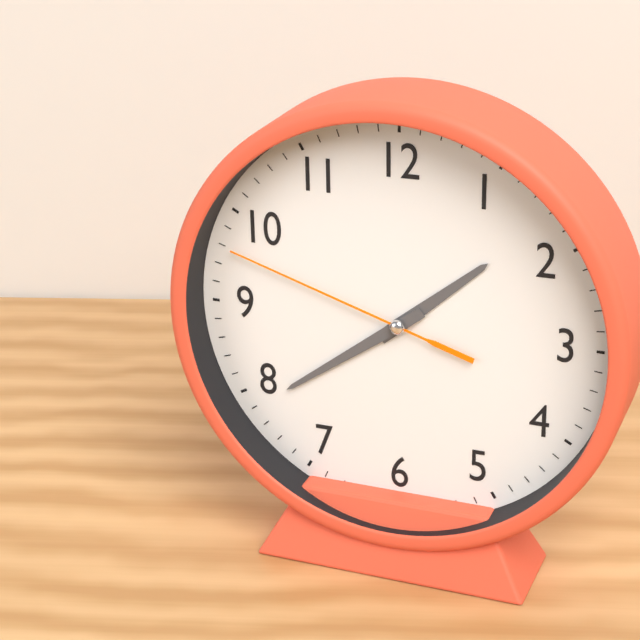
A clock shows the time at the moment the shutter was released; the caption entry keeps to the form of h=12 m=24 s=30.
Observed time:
h=1 m=39 s=48
